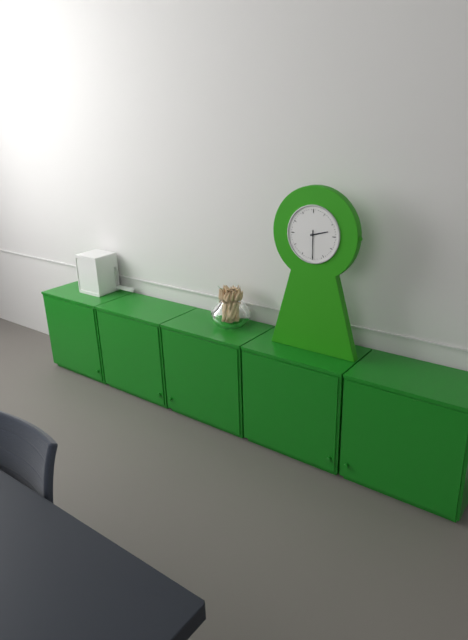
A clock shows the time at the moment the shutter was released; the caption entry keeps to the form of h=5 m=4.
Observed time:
h=2 m=30
